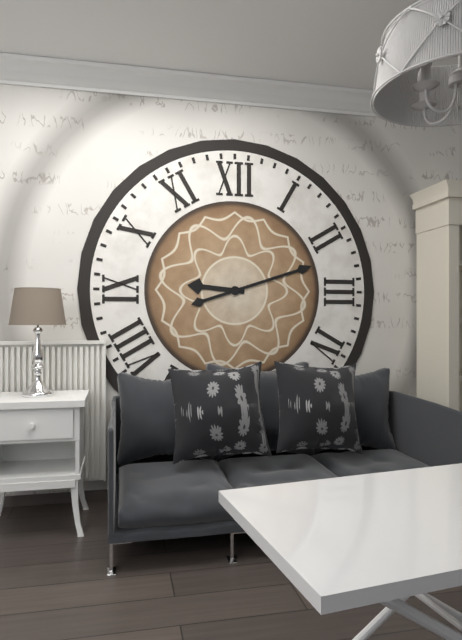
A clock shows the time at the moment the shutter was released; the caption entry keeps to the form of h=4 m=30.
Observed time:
h=9 m=12
